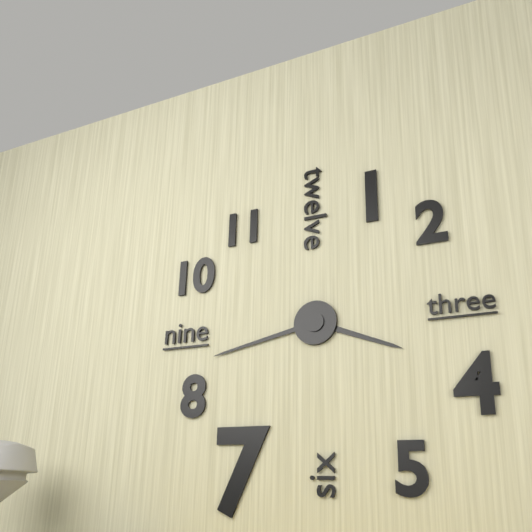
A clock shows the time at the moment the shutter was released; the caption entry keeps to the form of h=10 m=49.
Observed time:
h=3 m=43
